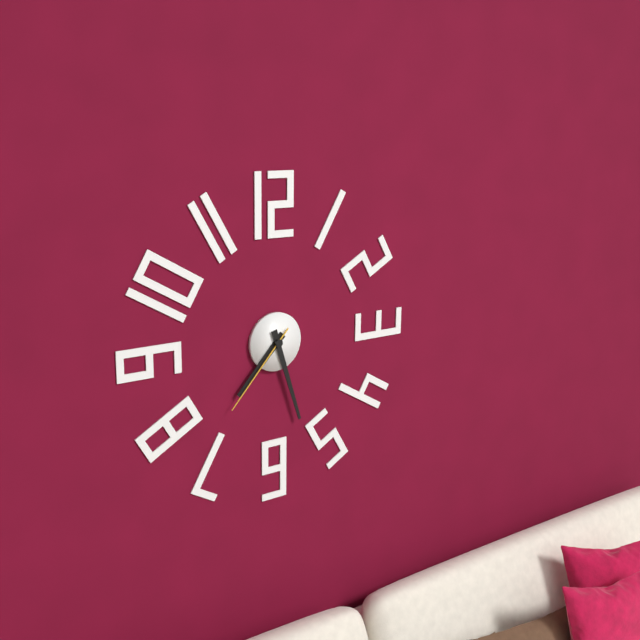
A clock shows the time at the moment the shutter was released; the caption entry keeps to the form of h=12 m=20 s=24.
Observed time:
h=7 m=27 s=37
